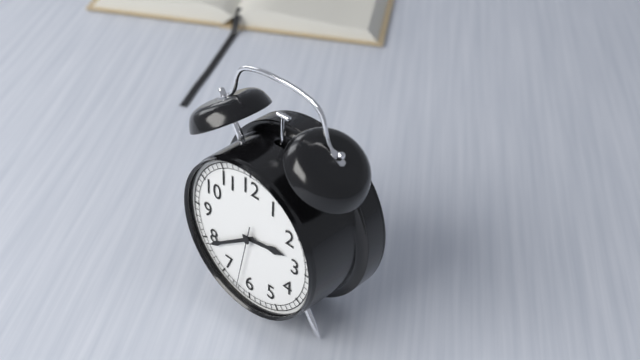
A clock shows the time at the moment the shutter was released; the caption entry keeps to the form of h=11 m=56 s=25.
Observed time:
h=2 m=39 s=32
